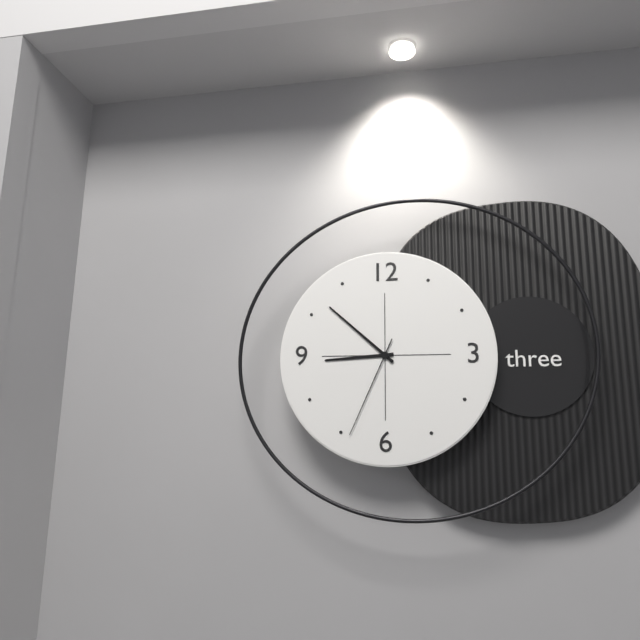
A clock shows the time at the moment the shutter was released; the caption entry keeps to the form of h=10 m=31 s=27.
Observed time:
h=8 m=52 s=34
